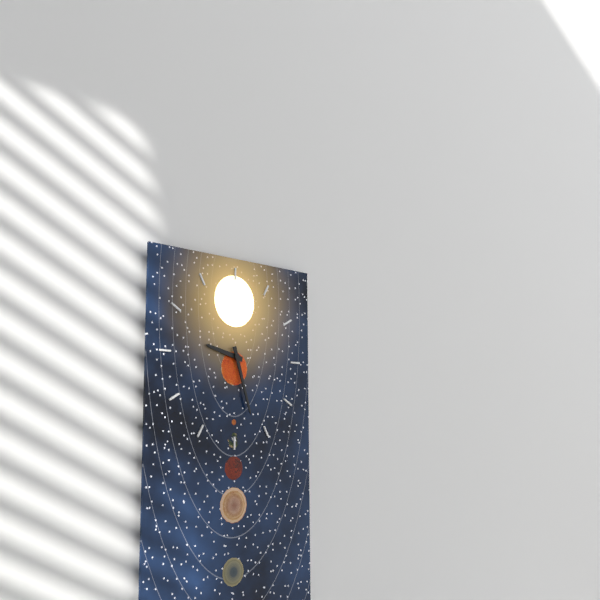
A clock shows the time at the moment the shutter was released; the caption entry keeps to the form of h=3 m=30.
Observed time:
h=9 m=27
